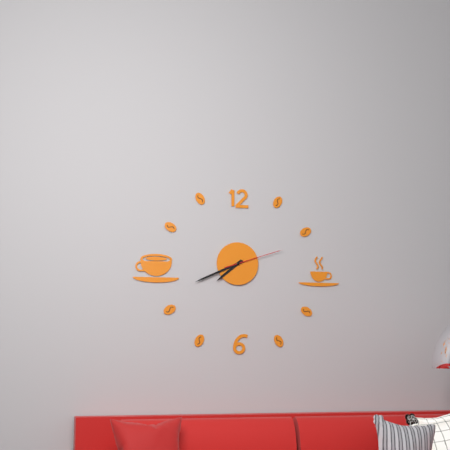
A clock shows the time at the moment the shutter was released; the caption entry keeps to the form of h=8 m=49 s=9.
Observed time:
h=7 m=41 s=12
